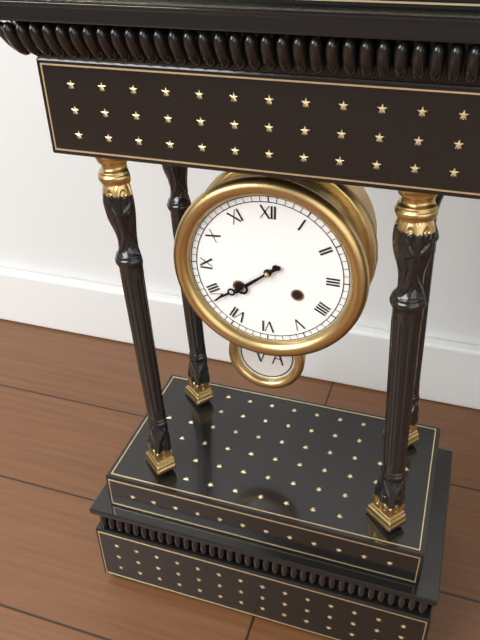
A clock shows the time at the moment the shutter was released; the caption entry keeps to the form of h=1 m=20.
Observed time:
h=7 m=39
